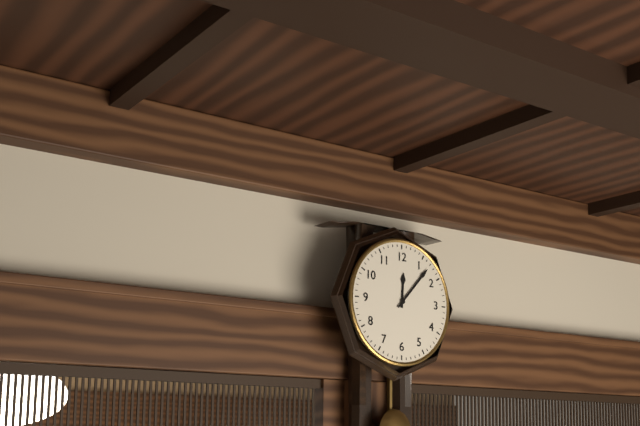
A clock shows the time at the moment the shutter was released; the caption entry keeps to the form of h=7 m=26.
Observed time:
h=12 m=7
